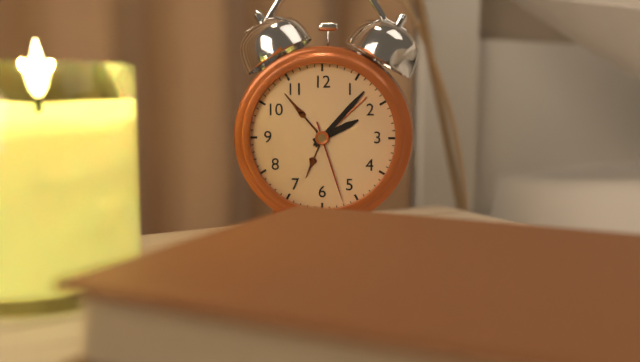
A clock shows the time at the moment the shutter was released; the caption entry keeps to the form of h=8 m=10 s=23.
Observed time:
h=2 m=7 s=27
